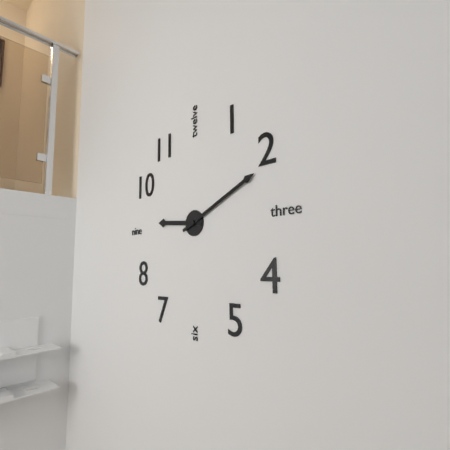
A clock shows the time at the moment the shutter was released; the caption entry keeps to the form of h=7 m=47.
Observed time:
h=9 m=11
